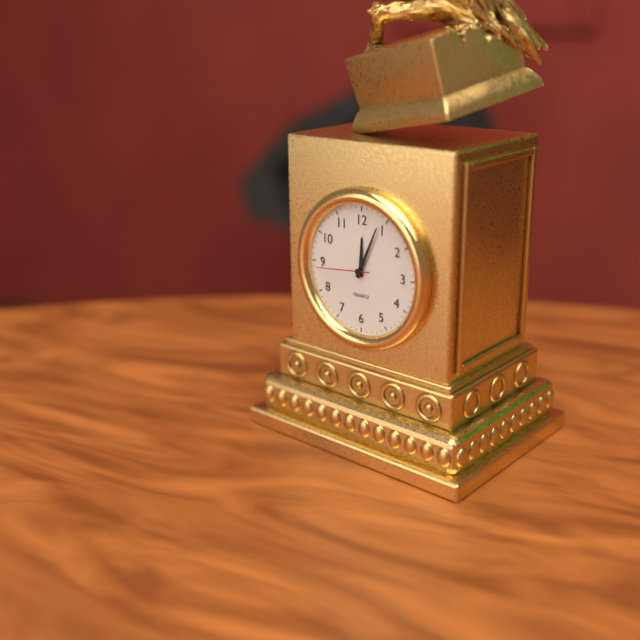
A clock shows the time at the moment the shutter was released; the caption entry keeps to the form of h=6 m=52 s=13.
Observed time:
h=12 m=4 s=44
